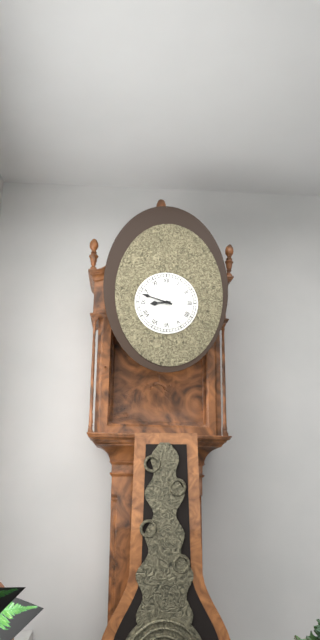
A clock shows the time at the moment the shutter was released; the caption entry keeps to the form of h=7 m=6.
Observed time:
h=8 m=48
